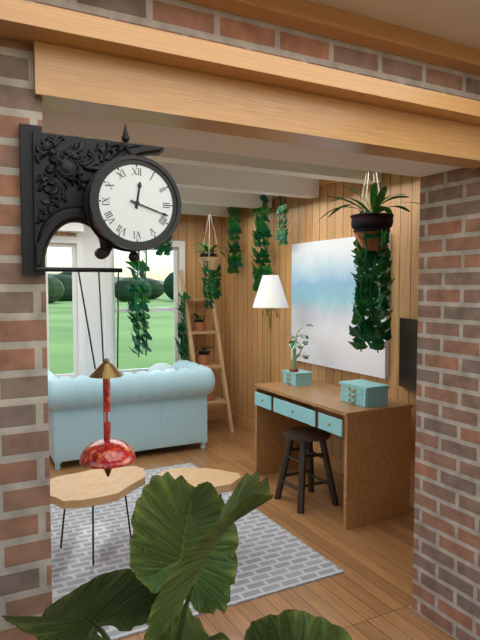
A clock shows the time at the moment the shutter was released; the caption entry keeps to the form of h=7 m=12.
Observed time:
h=12 m=18
